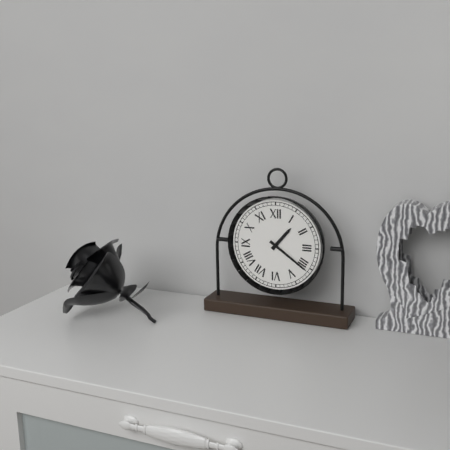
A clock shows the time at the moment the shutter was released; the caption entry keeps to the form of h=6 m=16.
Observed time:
h=1 m=21
